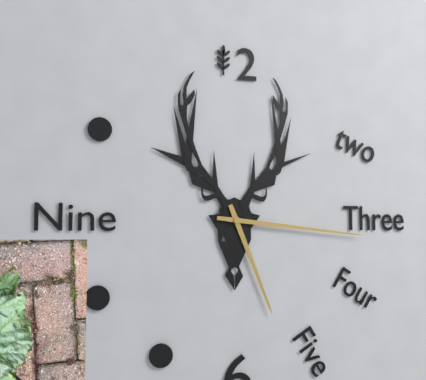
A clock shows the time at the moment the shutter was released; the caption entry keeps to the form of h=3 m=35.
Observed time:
h=5 m=16
